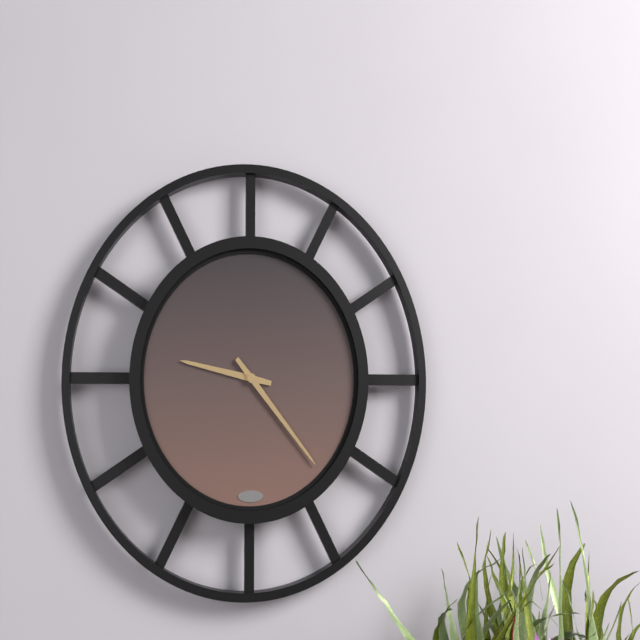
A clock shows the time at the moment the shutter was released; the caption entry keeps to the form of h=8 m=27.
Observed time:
h=9 m=23
